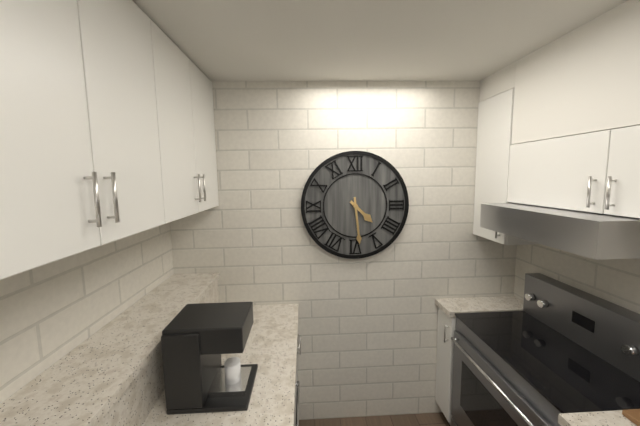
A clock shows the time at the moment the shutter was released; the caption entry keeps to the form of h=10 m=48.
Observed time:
h=4 m=29
